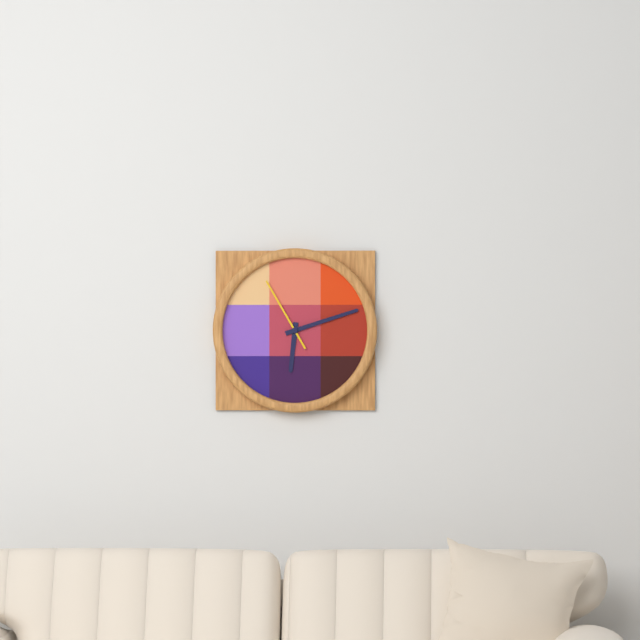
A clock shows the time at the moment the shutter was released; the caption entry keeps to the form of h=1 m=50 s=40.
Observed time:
h=6 m=12 s=55
